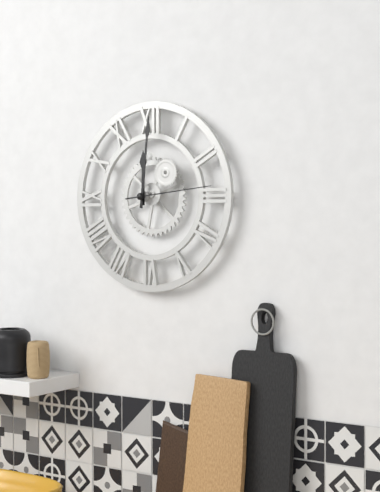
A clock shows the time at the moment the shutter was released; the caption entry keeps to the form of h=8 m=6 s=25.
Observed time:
h=12 m=1 s=14
